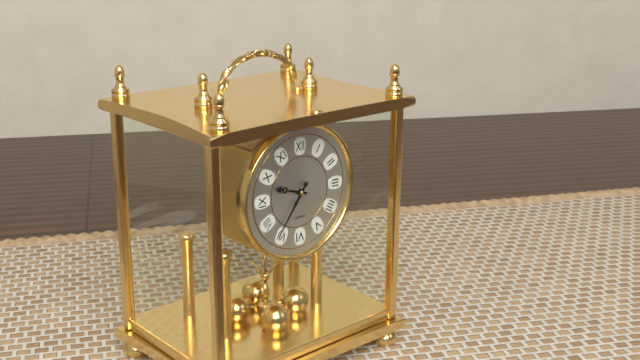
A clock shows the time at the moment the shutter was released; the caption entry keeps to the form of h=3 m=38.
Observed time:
h=9 m=36
